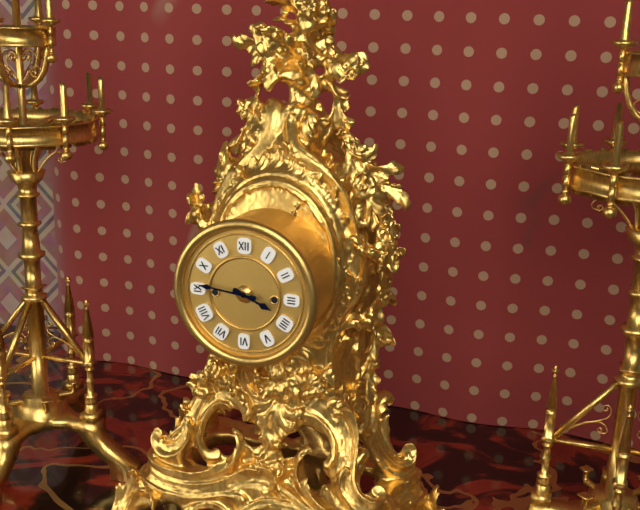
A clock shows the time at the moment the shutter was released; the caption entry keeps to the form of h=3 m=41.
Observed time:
h=3 m=46
